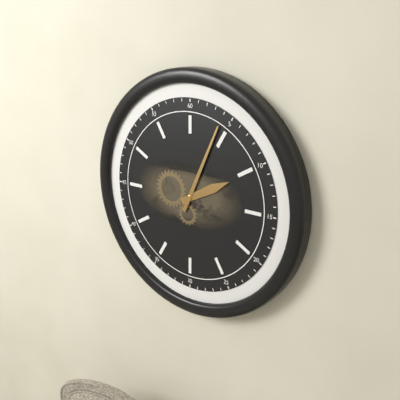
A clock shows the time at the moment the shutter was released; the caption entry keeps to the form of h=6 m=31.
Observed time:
h=2 m=4
